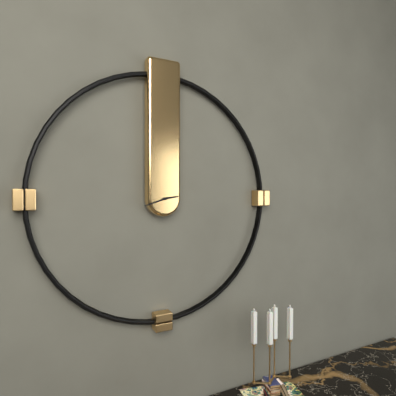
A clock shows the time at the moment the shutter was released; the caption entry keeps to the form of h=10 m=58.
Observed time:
h=2 m=42
